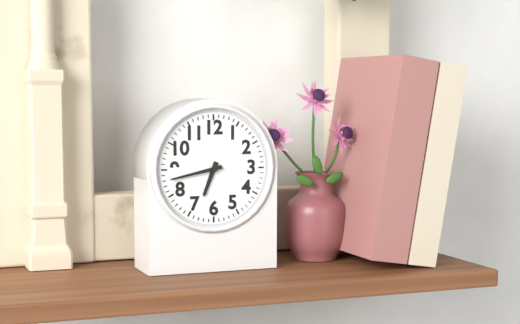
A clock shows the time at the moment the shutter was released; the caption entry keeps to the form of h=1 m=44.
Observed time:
h=6 m=43
